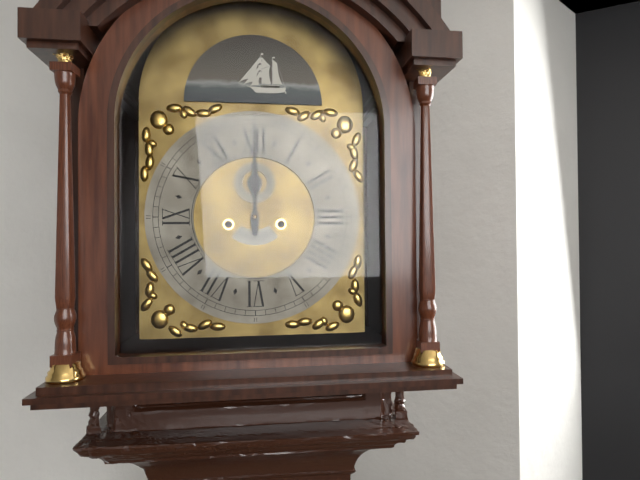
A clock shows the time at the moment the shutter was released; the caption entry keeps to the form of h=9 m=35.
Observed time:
h=12 m=0
